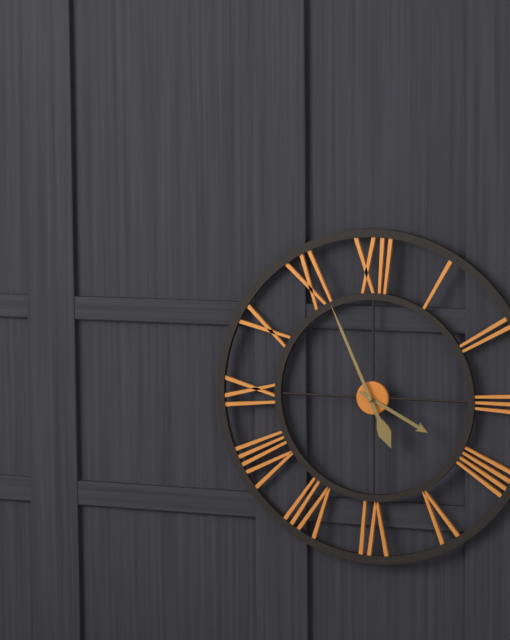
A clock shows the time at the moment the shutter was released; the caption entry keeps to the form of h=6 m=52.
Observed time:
h=3 m=56
